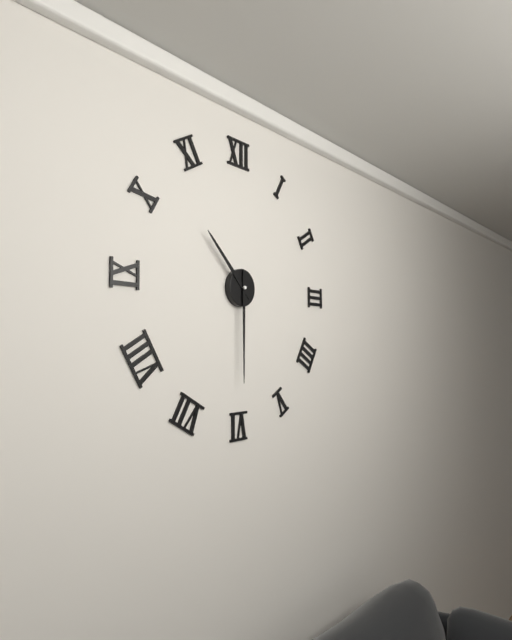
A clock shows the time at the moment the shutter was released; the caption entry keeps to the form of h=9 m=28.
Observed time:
h=10 m=30
